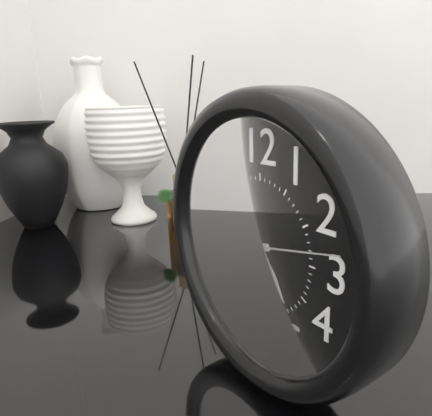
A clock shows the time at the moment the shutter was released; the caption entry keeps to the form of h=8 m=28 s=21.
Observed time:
h=4 m=43 s=13
